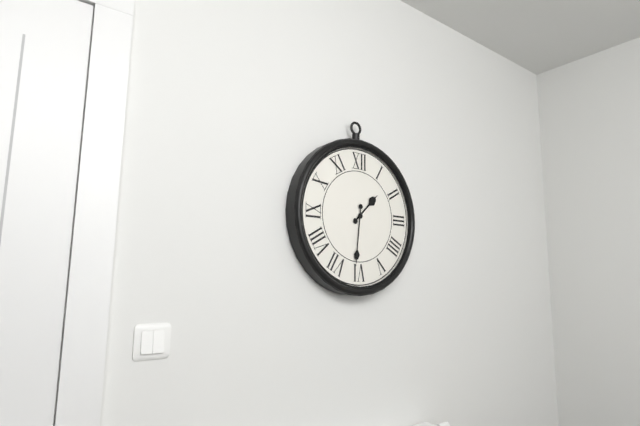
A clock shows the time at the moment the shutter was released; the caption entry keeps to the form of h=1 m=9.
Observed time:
h=1 m=31
